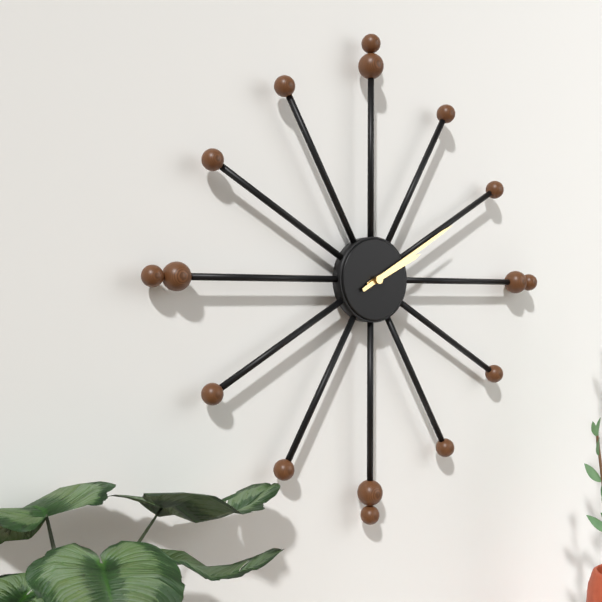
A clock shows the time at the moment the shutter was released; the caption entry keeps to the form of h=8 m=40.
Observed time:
h=2 m=10
